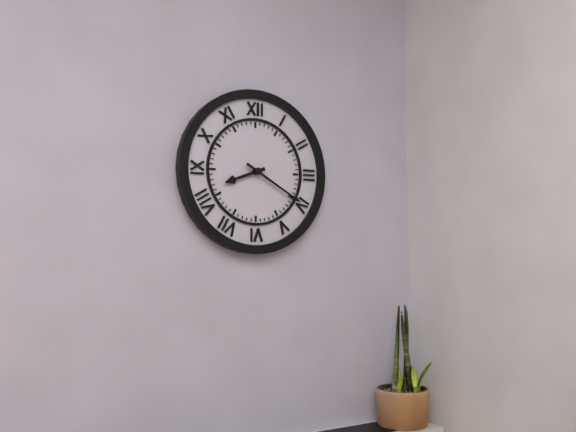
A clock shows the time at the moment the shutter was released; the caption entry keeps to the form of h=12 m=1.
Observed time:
h=8 m=20
